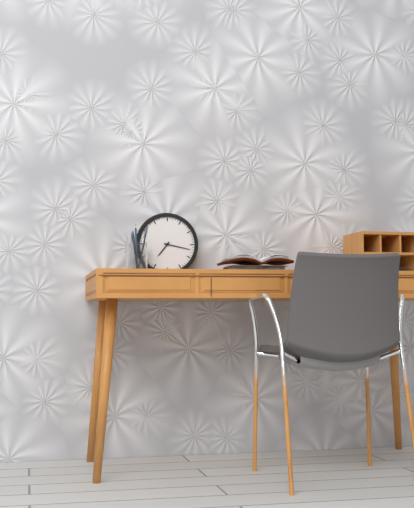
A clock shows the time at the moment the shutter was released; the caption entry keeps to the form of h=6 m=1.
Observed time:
h=7 m=17
